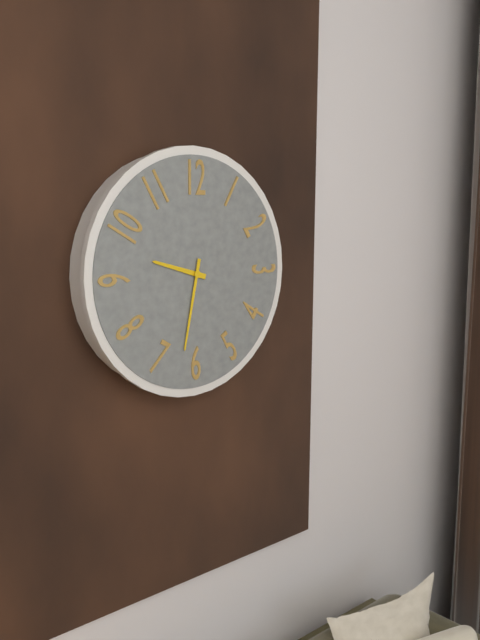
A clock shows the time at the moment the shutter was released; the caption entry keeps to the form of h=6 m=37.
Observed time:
h=9 m=32
